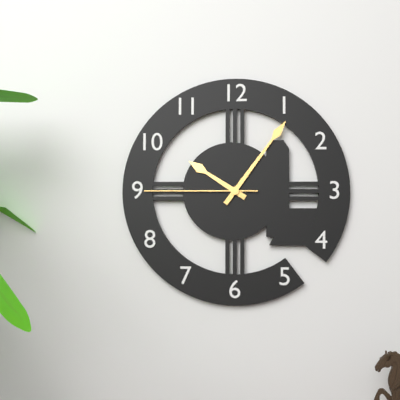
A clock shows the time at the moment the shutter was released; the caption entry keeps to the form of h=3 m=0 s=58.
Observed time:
h=10 m=6 s=45
